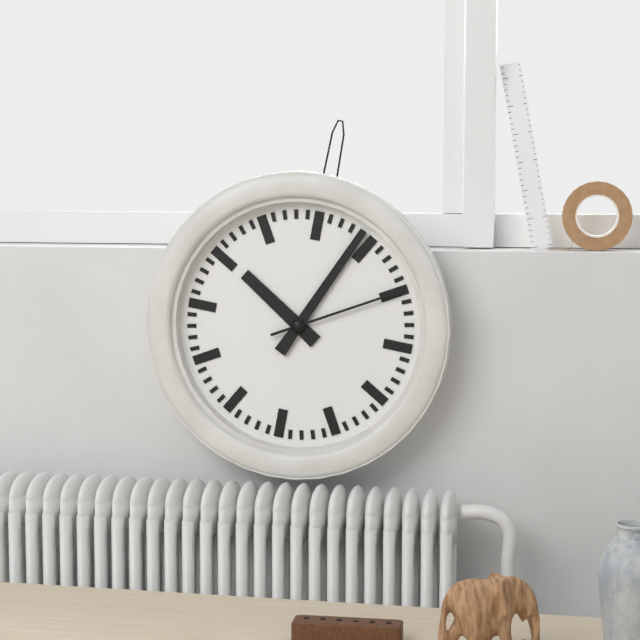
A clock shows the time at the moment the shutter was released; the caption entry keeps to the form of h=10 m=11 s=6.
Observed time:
h=10 m=4 s=10
